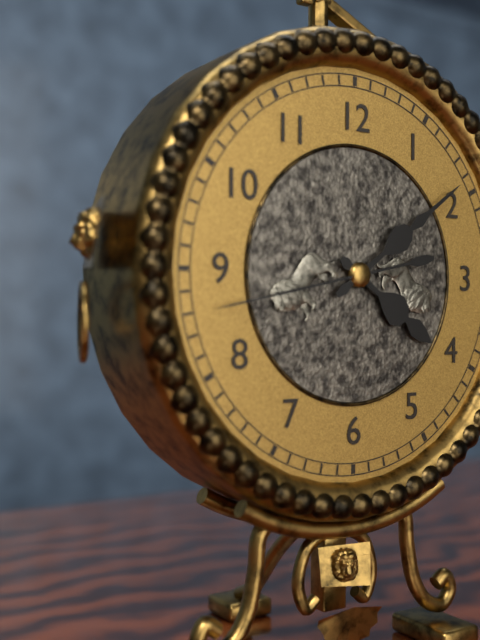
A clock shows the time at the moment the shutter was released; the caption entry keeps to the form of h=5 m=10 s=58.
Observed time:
h=4 m=9 s=43
